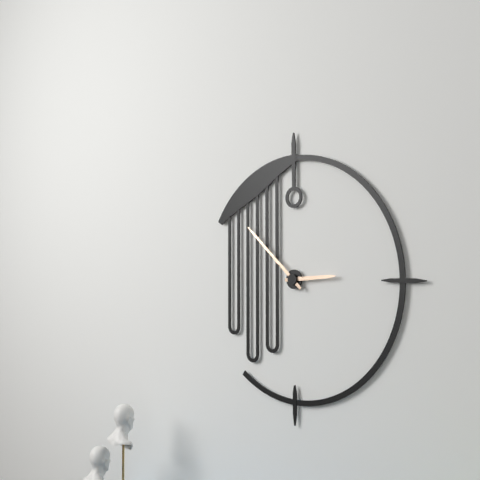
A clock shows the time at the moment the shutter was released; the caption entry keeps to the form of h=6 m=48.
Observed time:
h=2 m=52
